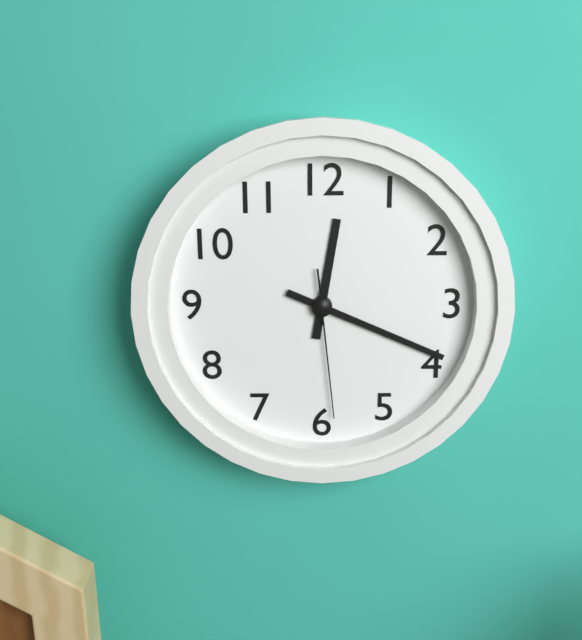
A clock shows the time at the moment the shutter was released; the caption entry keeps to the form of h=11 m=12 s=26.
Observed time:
h=12 m=19 s=29
